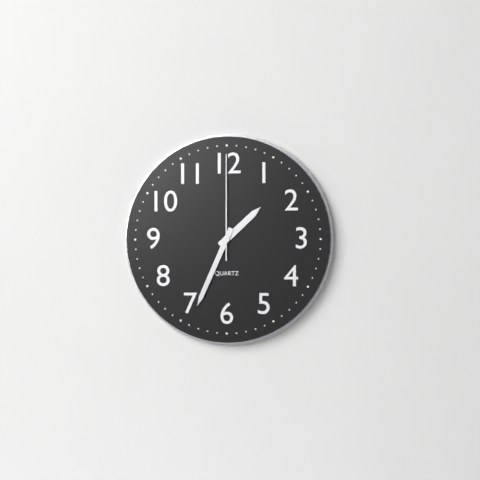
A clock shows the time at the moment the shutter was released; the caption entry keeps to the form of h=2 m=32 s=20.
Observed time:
h=1 m=34 s=0
